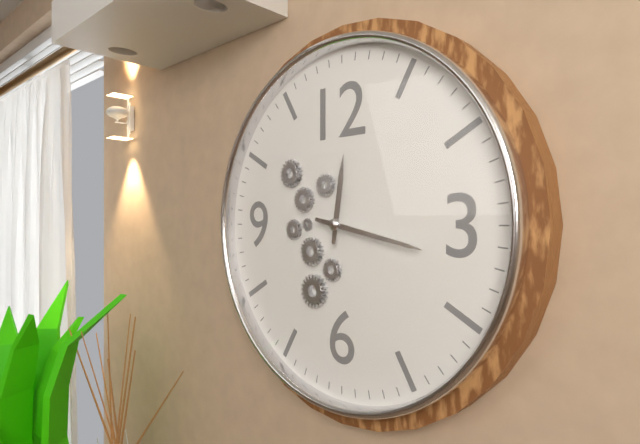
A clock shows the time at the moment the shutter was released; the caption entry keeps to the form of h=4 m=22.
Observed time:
h=12 m=17
